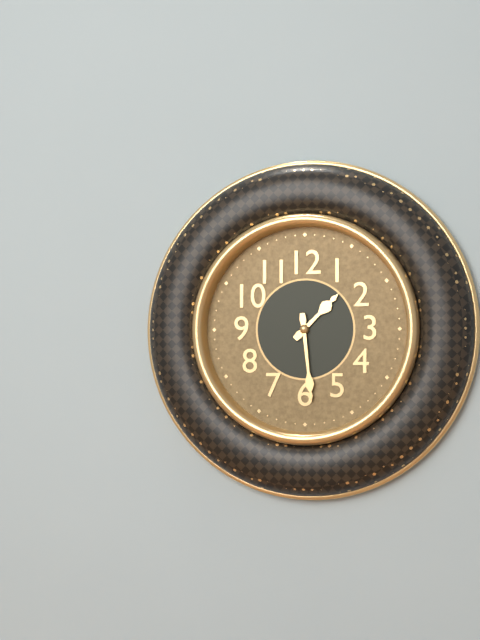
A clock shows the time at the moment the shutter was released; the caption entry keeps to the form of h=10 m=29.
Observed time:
h=1 m=29
